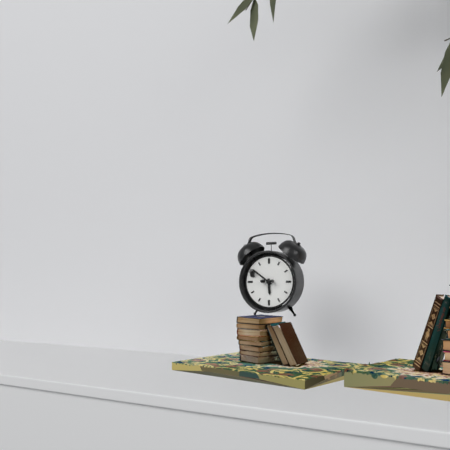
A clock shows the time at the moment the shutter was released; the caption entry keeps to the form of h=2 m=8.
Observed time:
h=5 m=51
